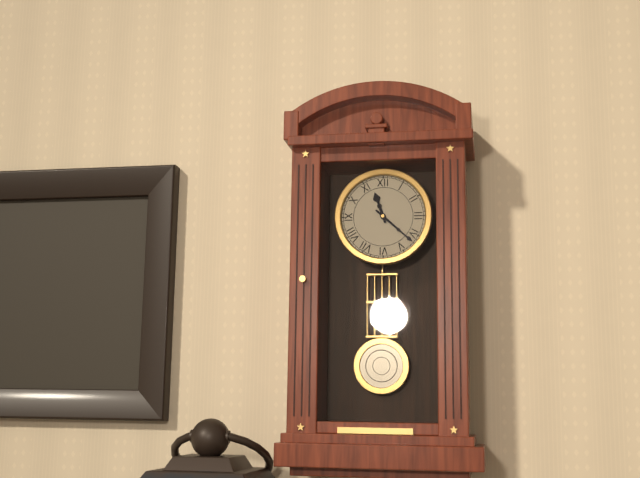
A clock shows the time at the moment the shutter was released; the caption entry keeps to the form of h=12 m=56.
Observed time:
h=11 m=22
